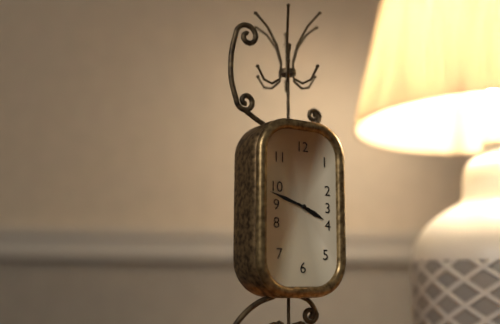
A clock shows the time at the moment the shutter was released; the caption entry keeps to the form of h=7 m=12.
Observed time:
h=3 m=48
